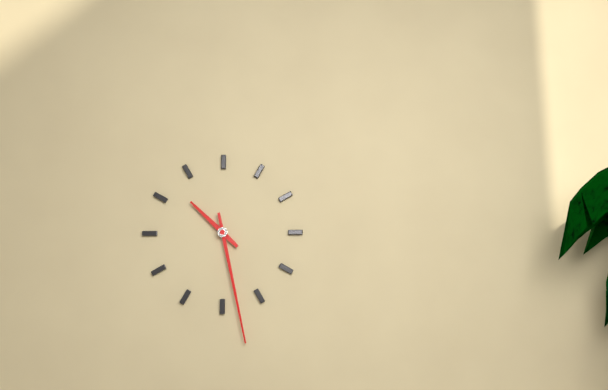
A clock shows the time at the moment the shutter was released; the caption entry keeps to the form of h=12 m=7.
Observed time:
h=10 m=28
